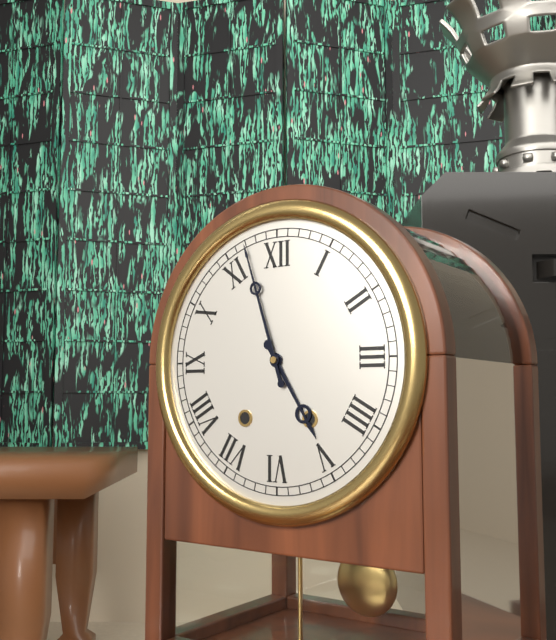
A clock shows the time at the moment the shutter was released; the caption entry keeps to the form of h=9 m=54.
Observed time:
h=4 m=57
